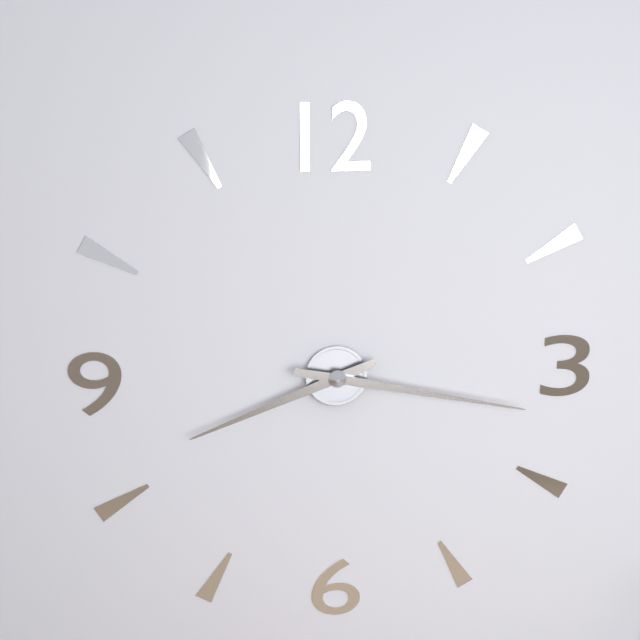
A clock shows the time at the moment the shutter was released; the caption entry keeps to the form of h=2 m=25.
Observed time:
h=8 m=17
